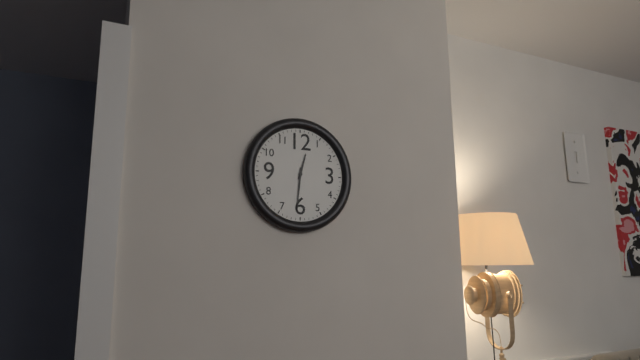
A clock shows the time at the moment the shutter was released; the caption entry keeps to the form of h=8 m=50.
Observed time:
h=12 m=31
